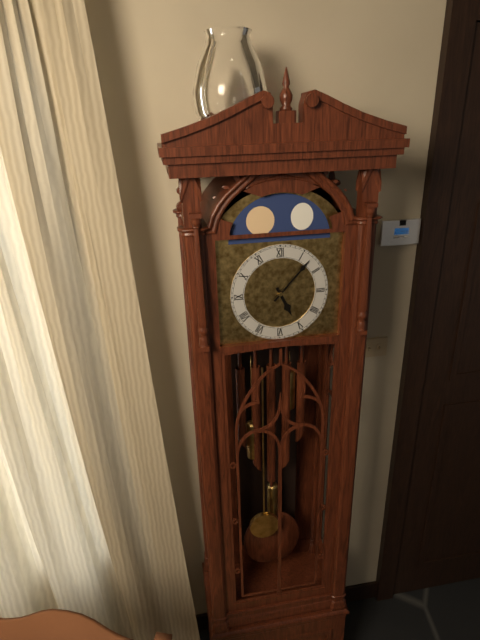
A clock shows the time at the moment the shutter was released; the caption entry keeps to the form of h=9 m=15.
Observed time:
h=5 m=7
